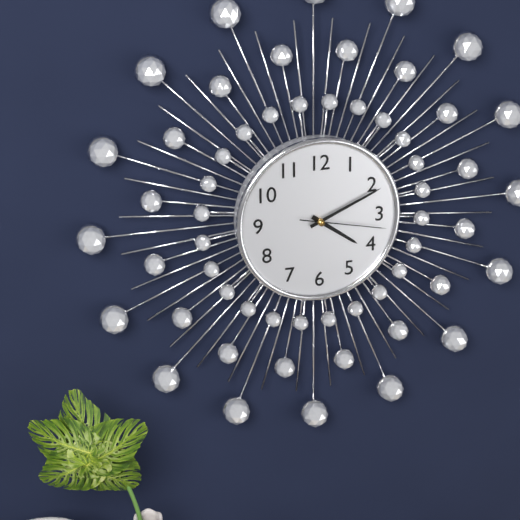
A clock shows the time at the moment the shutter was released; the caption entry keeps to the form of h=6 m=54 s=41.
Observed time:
h=4 m=11 s=17
